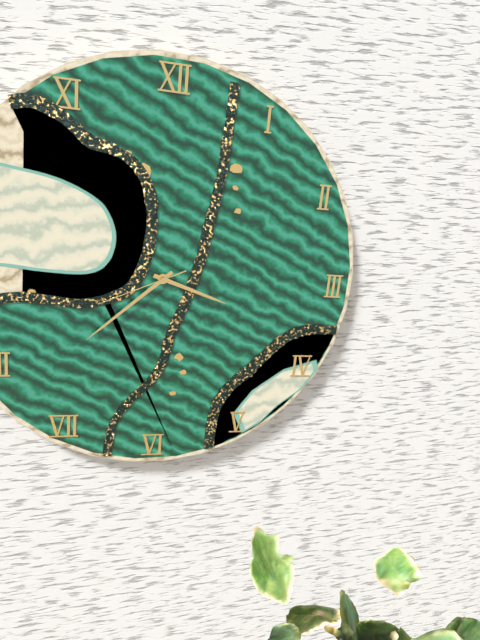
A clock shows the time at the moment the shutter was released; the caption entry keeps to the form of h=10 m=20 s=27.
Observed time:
h=3 m=38 s=41
